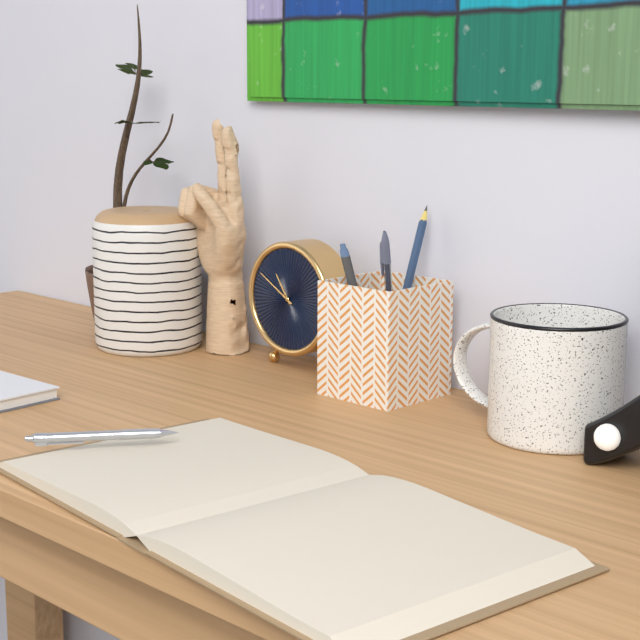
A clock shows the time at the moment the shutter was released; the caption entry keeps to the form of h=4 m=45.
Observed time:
h=10 m=50
